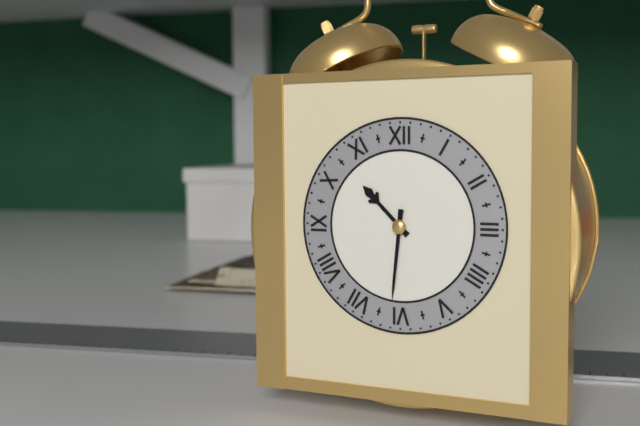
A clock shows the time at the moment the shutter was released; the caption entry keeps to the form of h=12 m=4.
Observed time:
h=10 m=31
